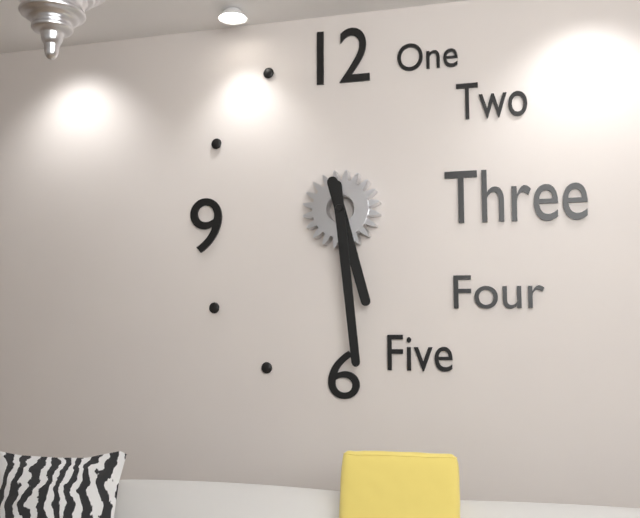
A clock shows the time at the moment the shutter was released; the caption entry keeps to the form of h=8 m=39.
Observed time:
h=5 m=29
